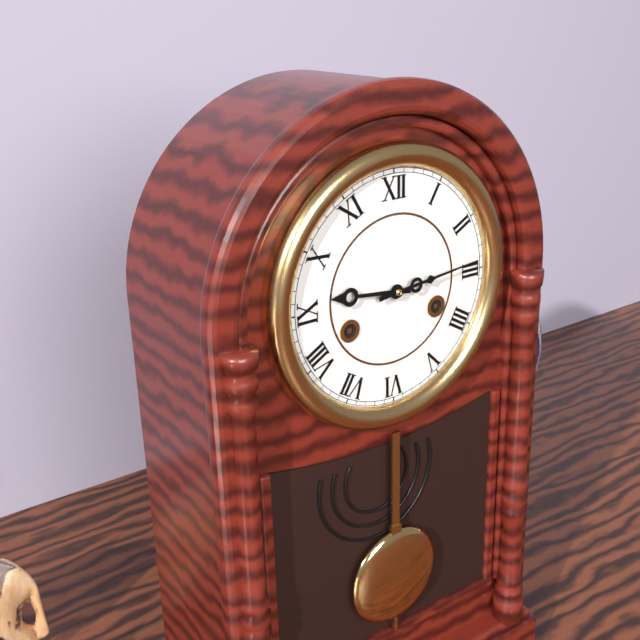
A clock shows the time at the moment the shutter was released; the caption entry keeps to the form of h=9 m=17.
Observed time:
h=9 m=14
